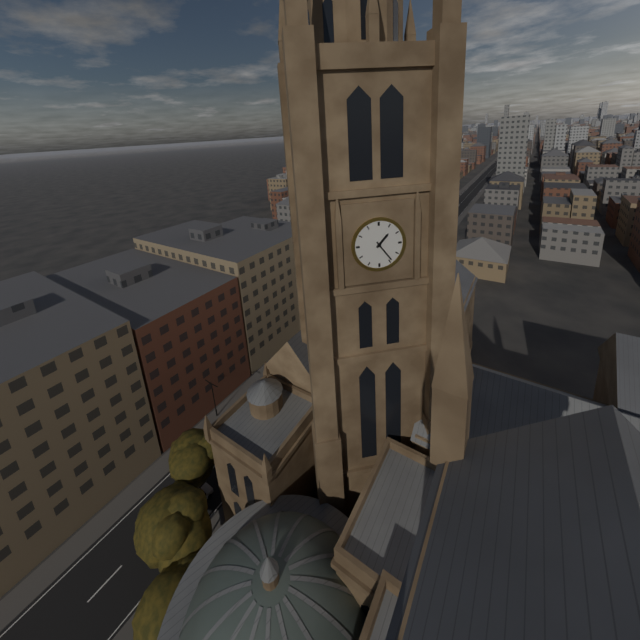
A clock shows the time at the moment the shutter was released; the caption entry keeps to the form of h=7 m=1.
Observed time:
h=1 m=24
